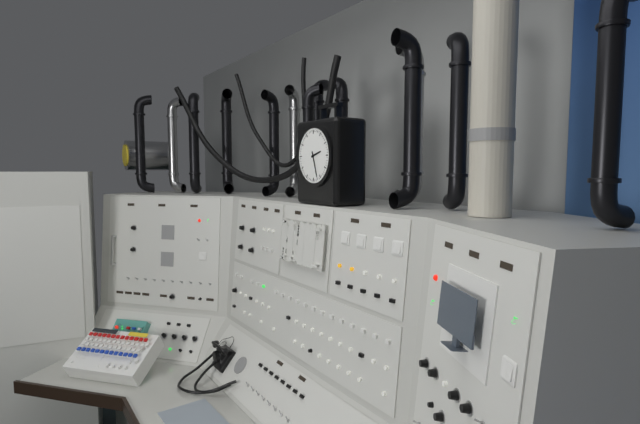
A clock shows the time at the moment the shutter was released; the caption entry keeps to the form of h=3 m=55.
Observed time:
h=2 m=27
